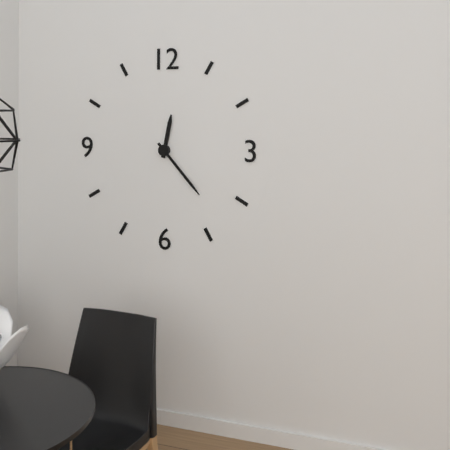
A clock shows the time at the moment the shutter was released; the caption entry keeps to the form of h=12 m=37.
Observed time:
h=12 m=23
